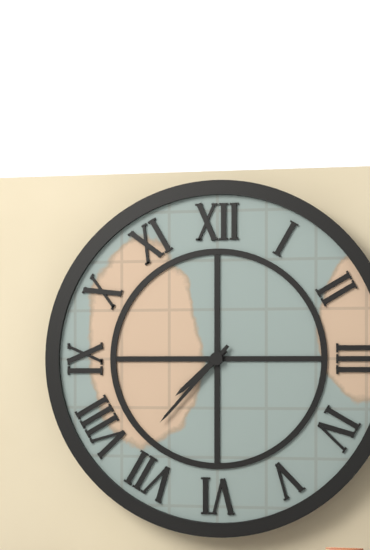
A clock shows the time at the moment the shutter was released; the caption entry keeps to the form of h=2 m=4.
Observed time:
h=7 m=37
